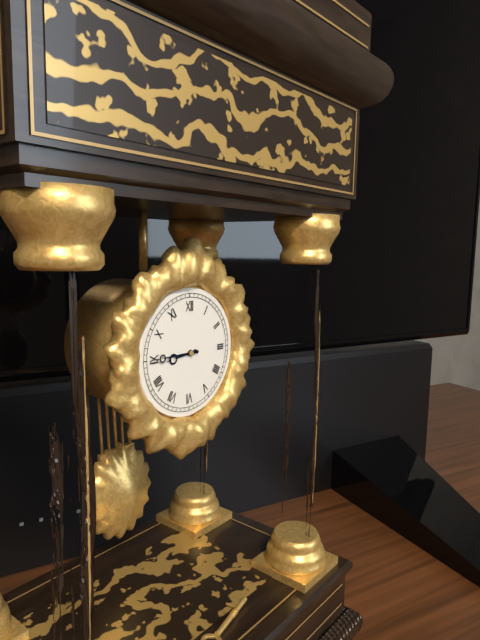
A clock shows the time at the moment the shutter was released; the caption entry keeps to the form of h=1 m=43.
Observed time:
h=8 m=45
